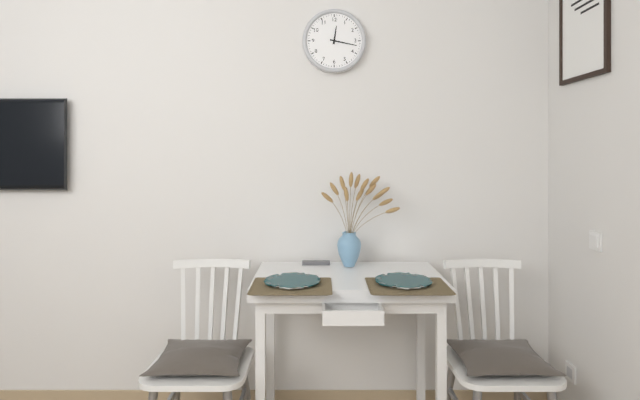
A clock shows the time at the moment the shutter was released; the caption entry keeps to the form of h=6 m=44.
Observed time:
h=12 m=17
